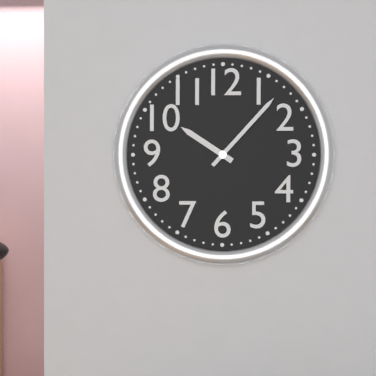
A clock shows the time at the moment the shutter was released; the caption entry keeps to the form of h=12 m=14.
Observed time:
h=10 m=7
